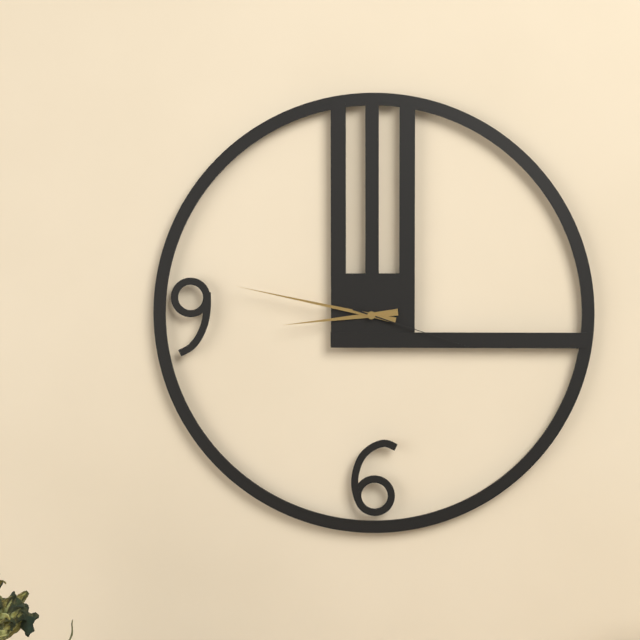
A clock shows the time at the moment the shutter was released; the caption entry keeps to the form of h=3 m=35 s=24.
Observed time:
h=8 m=47 s=18
